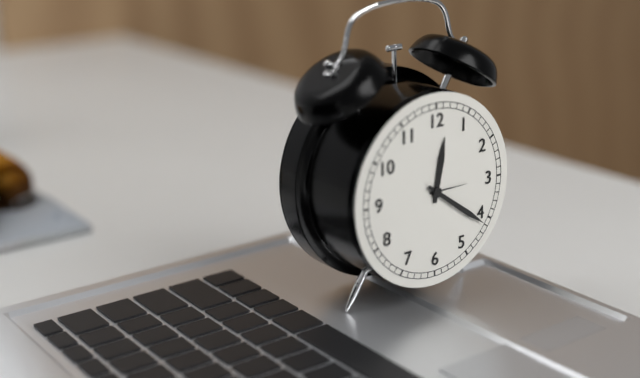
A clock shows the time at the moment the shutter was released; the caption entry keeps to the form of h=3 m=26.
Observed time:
h=12 m=21
